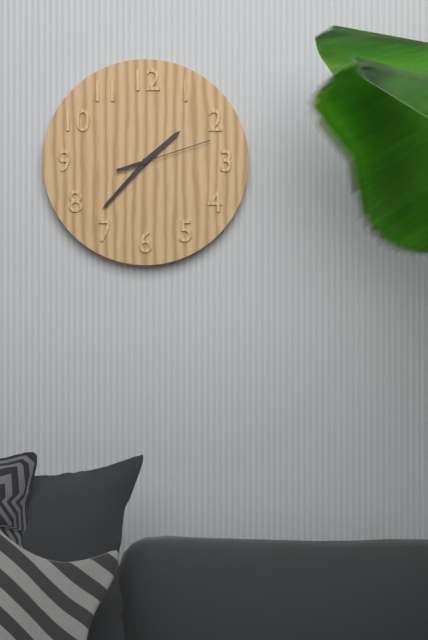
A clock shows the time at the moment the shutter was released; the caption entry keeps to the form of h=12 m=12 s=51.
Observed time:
h=1 m=37 s=12
